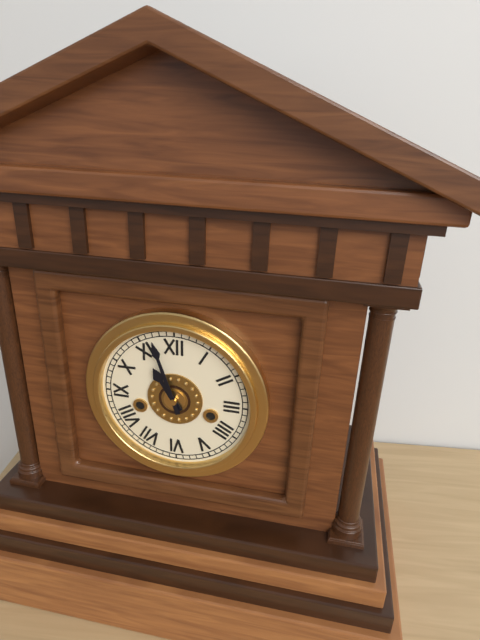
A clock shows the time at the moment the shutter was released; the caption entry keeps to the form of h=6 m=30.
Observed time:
h=10 m=57
